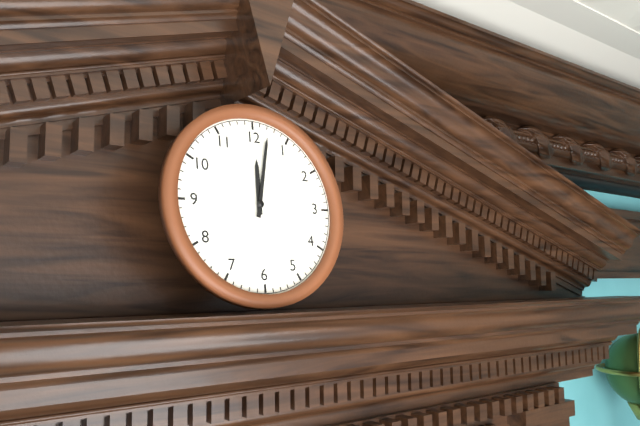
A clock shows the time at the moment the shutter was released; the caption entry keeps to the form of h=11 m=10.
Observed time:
h=12 m=2
